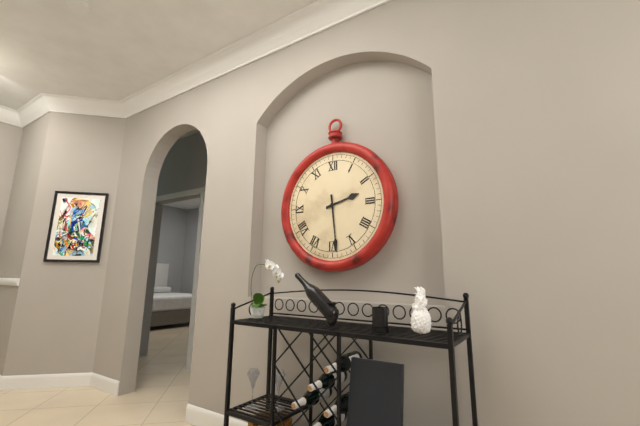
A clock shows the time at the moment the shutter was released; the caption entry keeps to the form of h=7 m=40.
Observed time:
h=2 m=29
